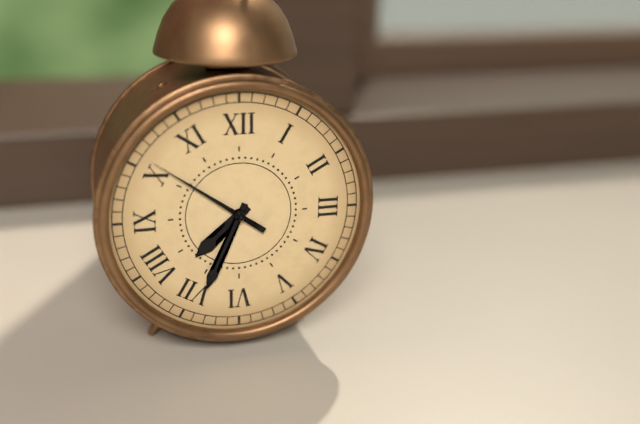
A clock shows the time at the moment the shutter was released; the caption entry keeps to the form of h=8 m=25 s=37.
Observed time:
h=7 m=34 s=51
